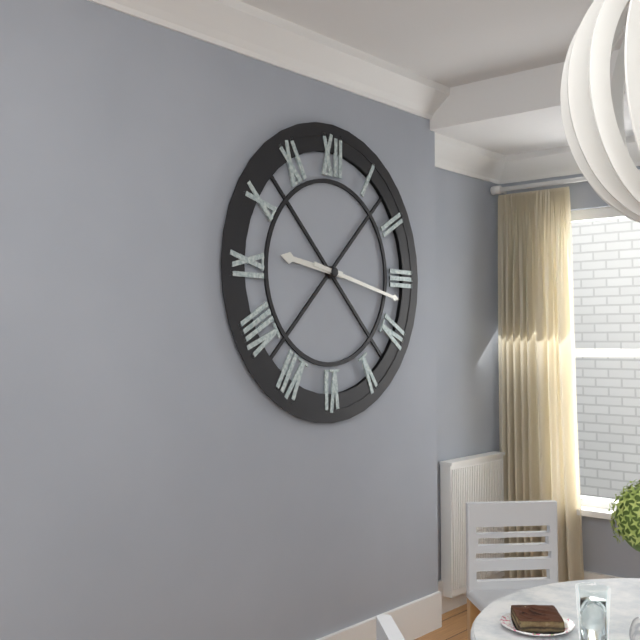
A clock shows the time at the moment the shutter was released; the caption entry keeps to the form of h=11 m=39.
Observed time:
h=9 m=17
